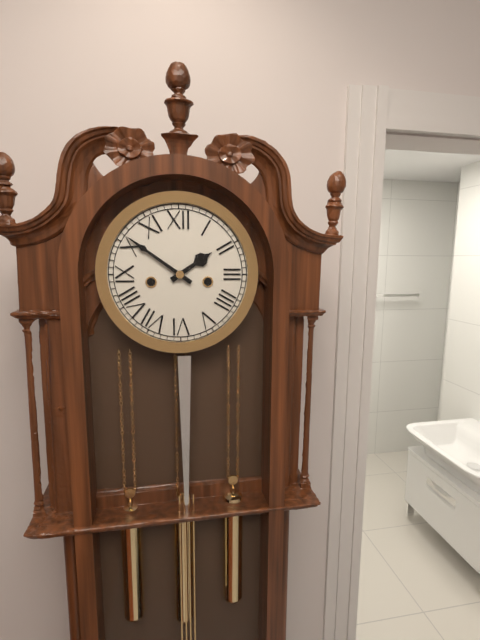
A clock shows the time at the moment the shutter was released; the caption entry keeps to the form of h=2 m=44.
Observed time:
h=1 m=51
